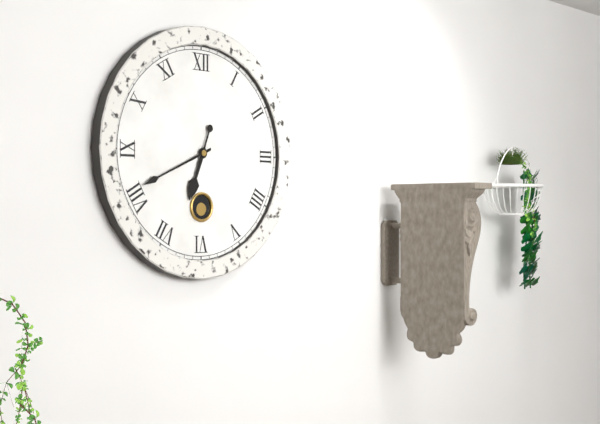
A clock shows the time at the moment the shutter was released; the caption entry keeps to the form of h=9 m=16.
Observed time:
h=6 m=41
